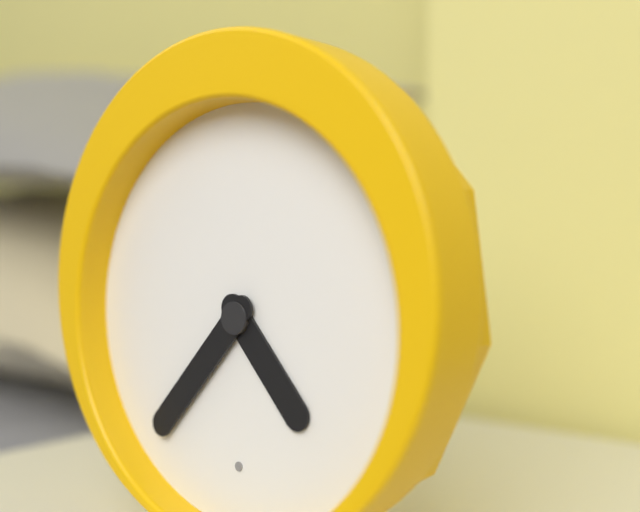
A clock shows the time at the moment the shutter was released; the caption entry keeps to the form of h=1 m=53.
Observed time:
h=4 m=37
